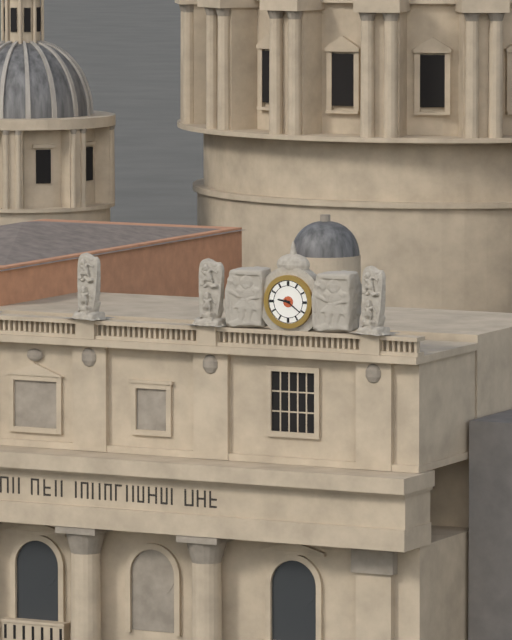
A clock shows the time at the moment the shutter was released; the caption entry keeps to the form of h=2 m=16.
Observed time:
h=9 m=21
